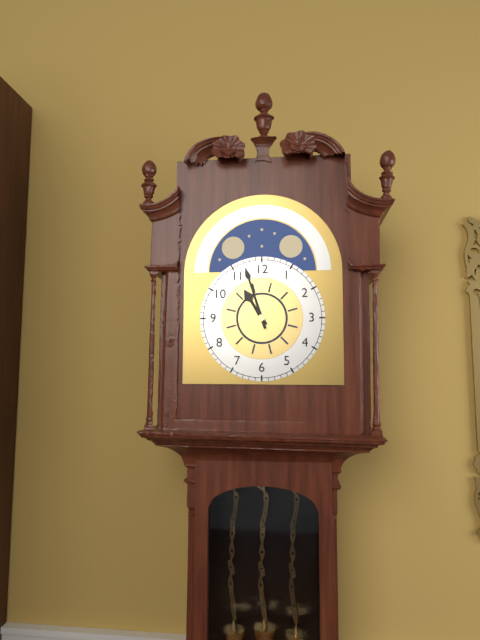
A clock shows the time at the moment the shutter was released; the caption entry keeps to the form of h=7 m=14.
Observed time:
h=10 m=57
